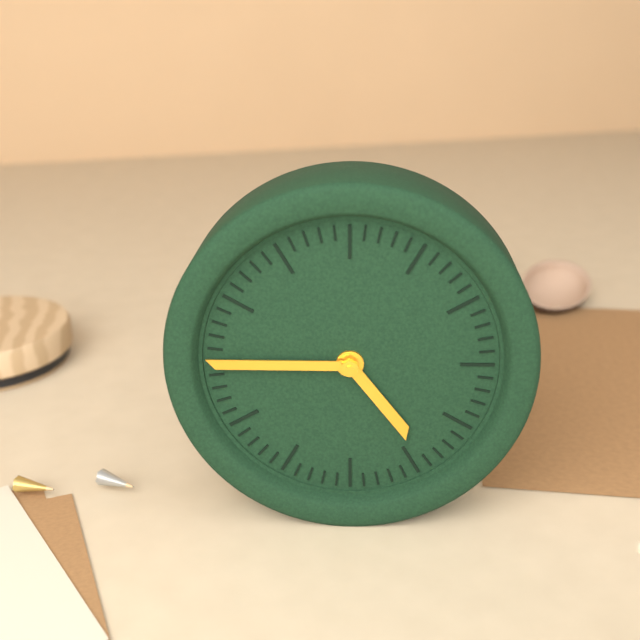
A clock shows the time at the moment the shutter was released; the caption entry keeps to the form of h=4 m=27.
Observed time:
h=4 m=45
